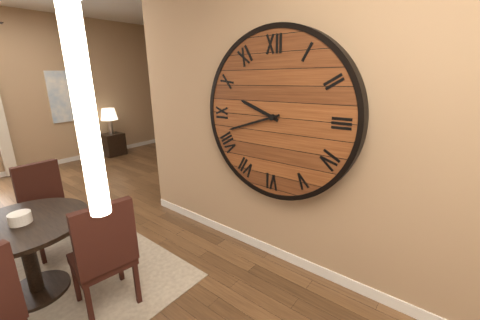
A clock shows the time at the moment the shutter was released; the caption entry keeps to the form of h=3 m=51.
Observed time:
h=9 m=42
